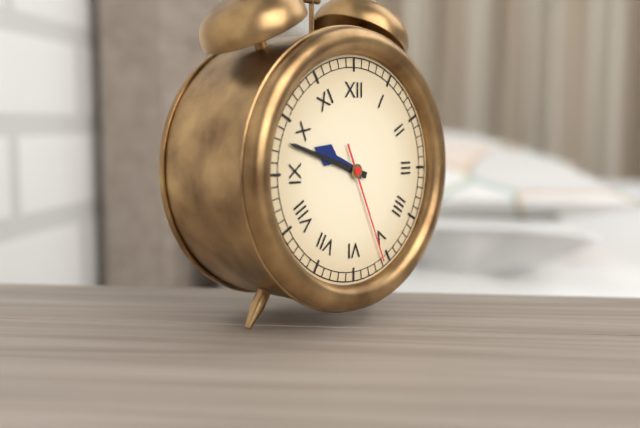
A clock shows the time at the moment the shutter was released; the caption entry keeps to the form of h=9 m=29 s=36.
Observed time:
h=9 m=48 s=26
